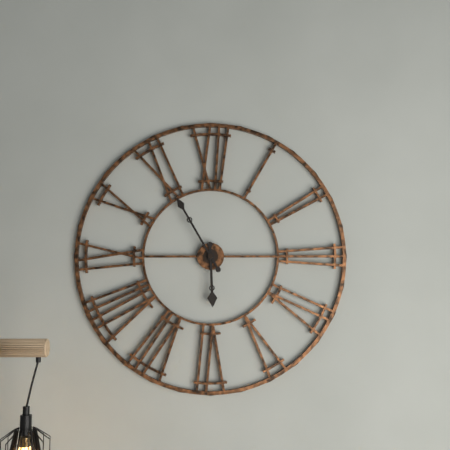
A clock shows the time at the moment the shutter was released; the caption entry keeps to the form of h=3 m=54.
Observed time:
h=5 m=55
